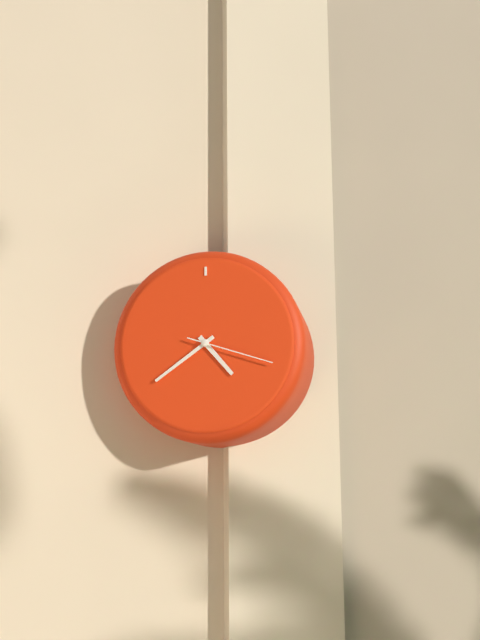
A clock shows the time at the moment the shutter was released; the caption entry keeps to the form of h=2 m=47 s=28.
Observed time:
h=4 m=39 s=18
